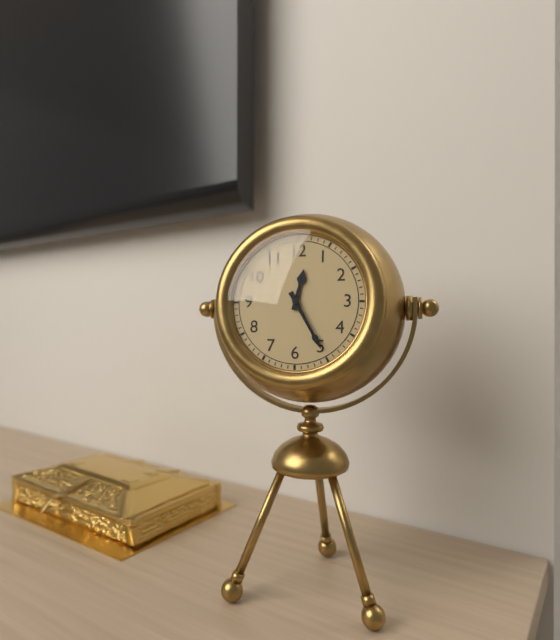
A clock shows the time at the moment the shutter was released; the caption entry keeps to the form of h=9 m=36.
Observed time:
h=12 m=25
